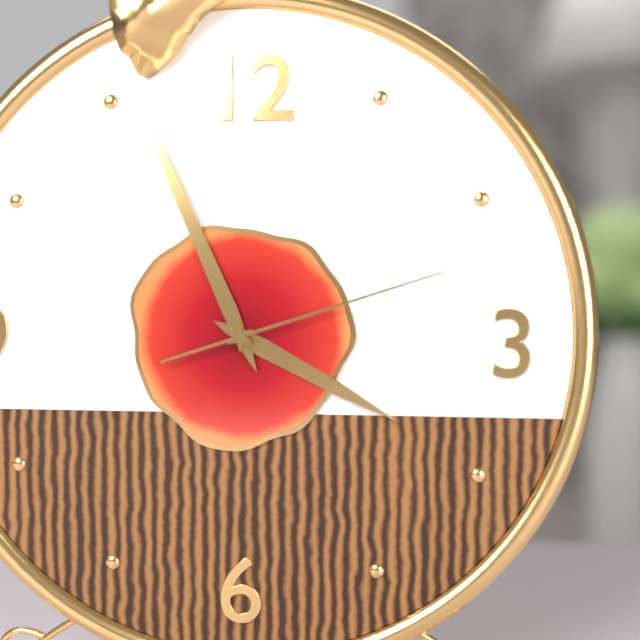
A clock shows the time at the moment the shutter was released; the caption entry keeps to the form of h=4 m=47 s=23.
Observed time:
h=3 m=56 s=12
